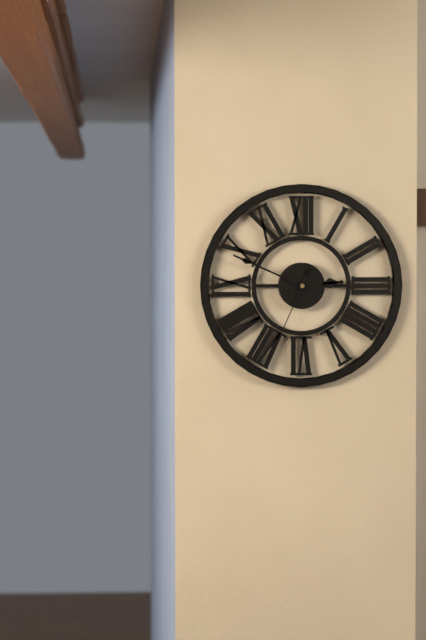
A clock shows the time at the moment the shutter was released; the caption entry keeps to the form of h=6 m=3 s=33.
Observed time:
h=2 m=49 s=34
